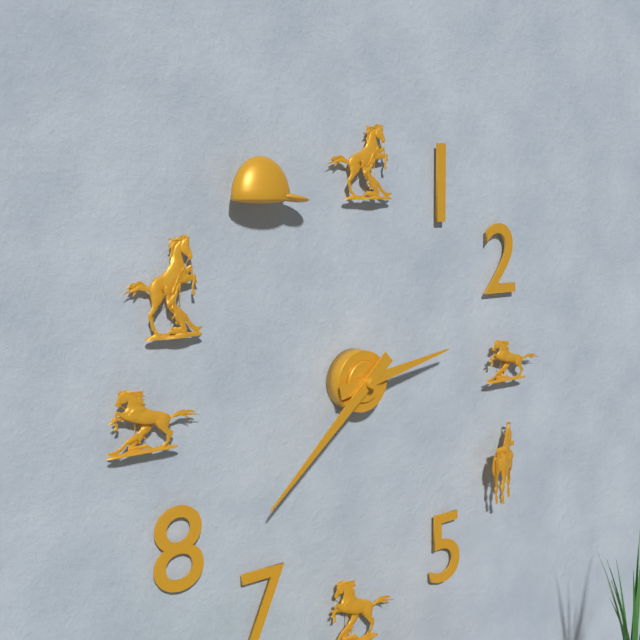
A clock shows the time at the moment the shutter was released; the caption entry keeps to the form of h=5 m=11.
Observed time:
h=2 m=38
